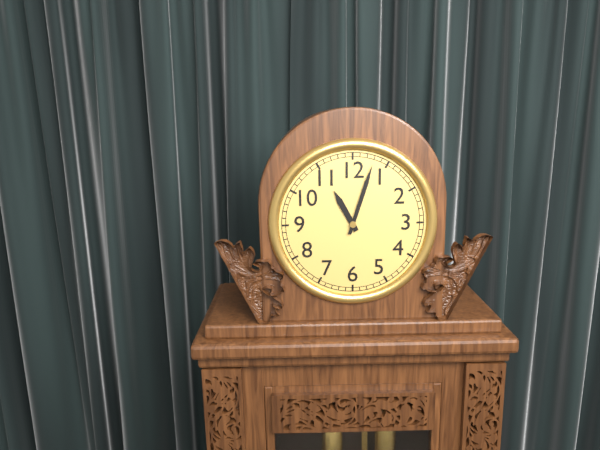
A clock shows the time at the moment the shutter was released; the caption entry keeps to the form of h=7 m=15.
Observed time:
h=11 m=3
